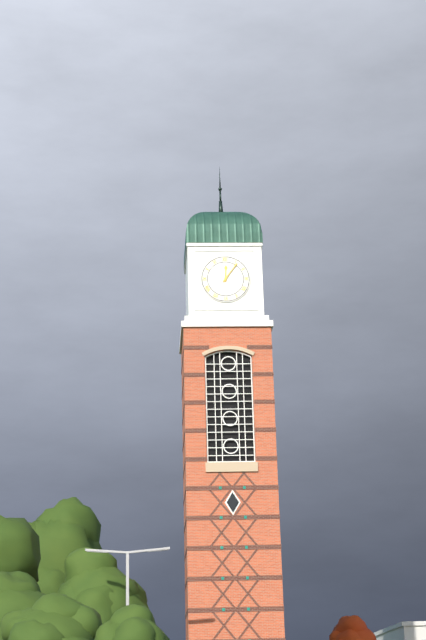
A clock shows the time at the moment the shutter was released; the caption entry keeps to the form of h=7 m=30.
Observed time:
h=12 m=6
